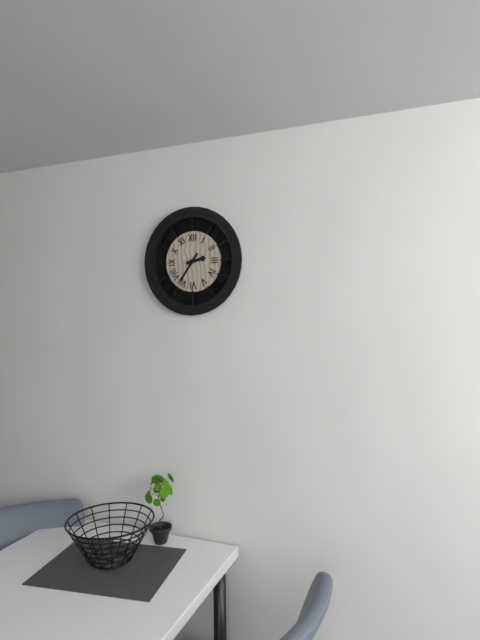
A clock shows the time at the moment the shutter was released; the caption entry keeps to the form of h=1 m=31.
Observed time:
h=2 m=36
